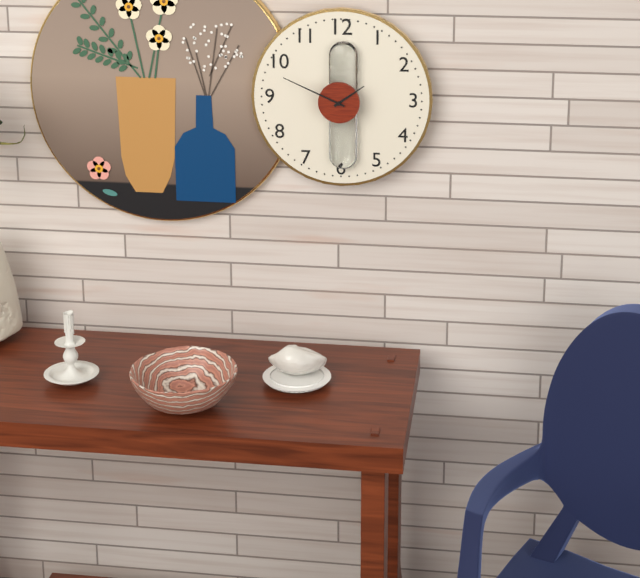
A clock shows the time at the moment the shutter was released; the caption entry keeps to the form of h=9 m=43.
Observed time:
h=1 m=49
